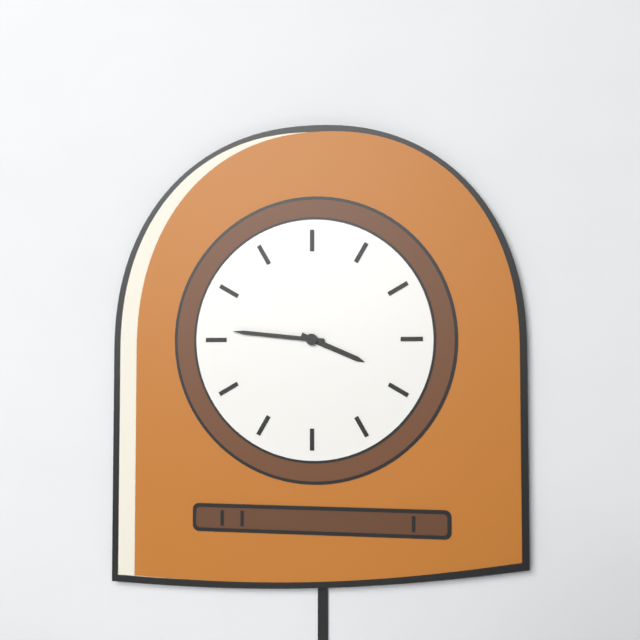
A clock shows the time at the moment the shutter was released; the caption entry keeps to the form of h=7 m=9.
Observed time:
h=3 m=46
